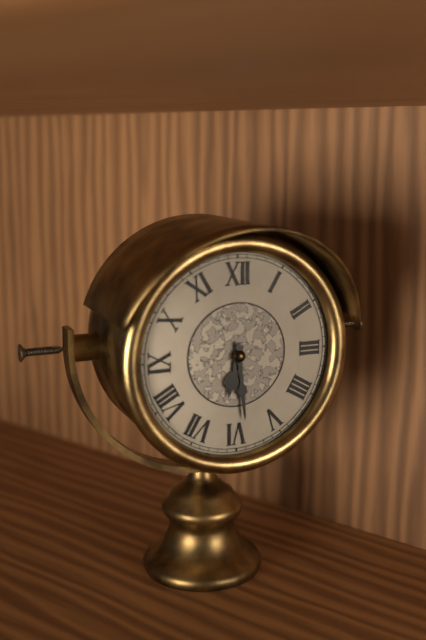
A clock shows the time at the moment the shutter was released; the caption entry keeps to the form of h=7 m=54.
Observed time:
h=6 m=29
